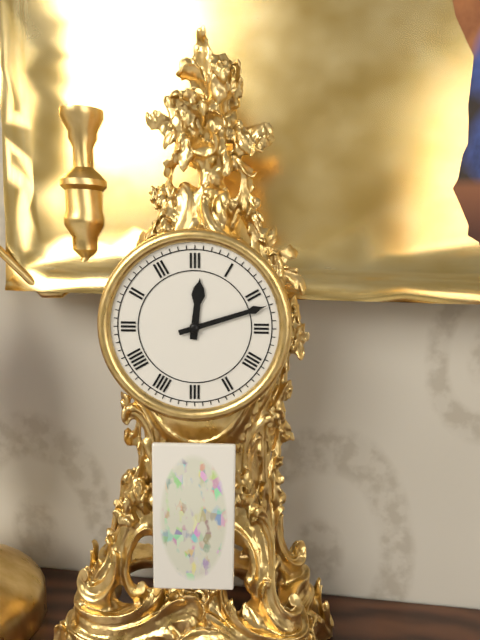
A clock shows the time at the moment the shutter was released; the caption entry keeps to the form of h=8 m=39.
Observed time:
h=12 m=12
